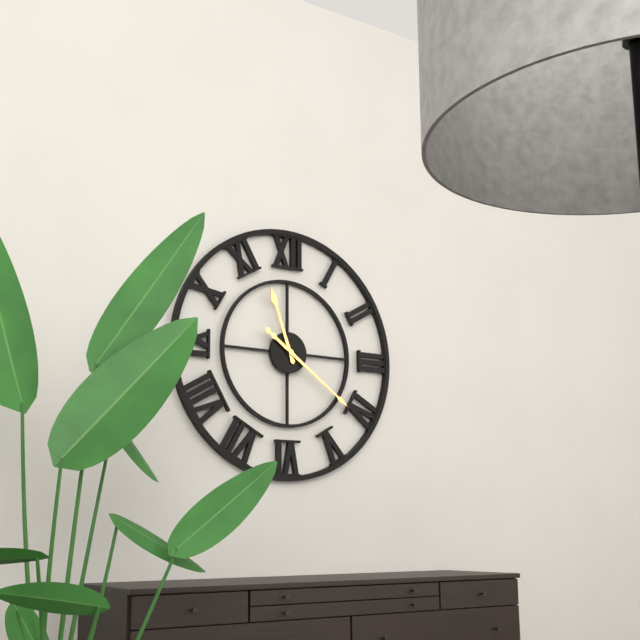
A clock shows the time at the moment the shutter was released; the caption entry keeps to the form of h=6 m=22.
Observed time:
h=11 m=21
